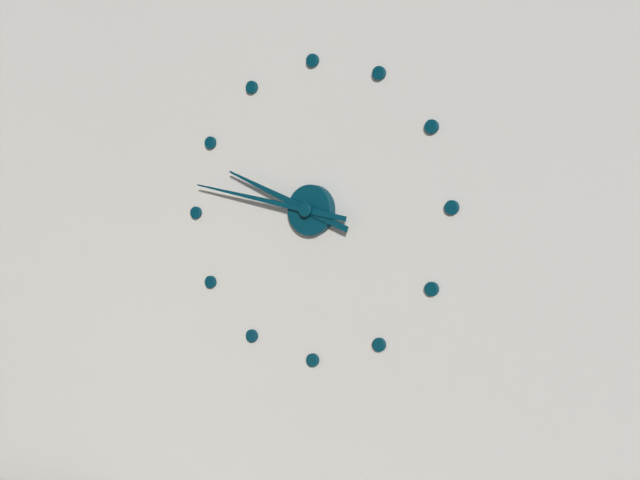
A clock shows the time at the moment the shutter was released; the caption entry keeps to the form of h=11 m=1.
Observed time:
h=9 m=47
